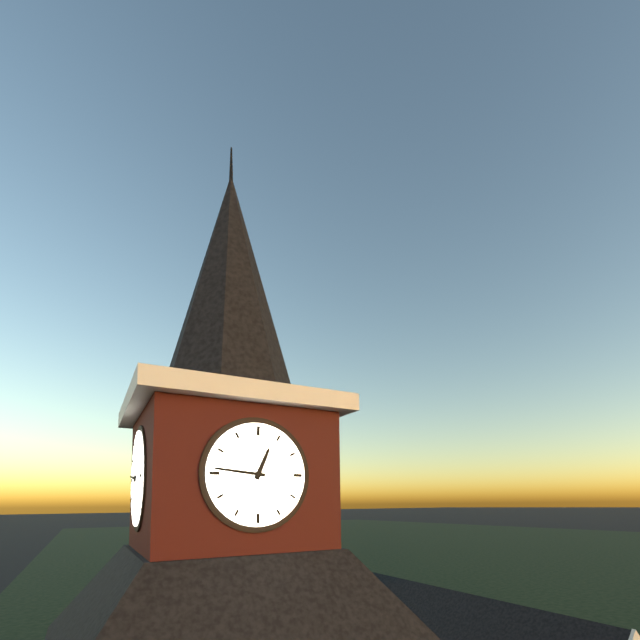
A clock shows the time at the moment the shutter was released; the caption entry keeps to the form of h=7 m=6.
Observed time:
h=12 m=46
